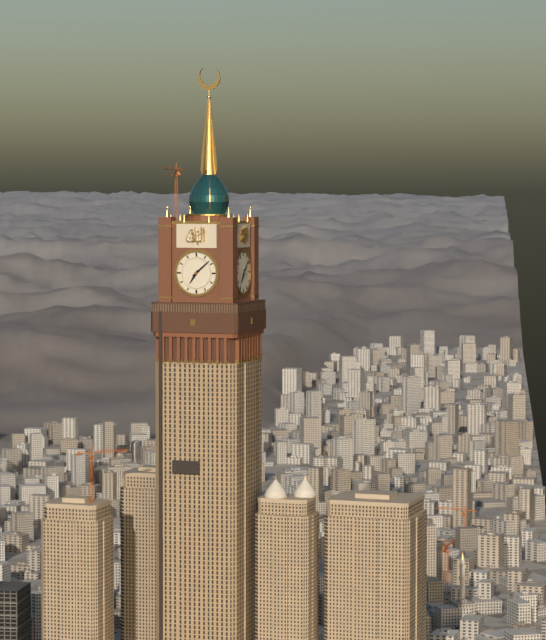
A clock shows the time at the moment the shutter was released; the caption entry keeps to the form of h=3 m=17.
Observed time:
h=7 m=8
